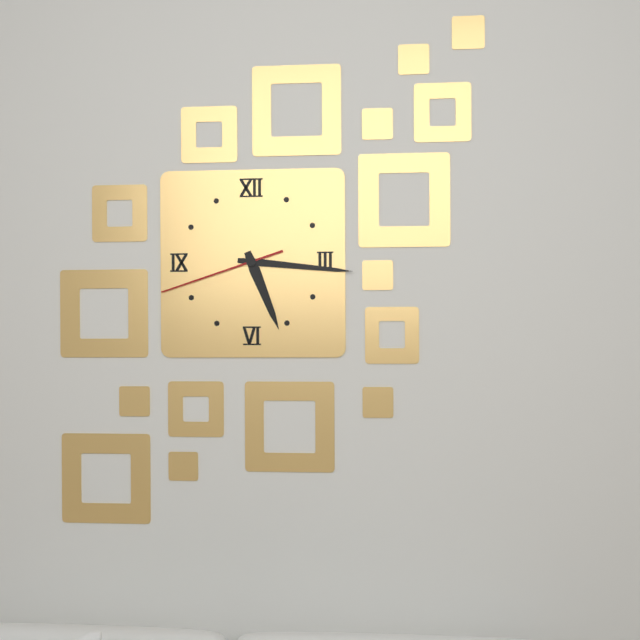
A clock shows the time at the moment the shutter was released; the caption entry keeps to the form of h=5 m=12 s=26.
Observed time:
h=5 m=16 s=42
